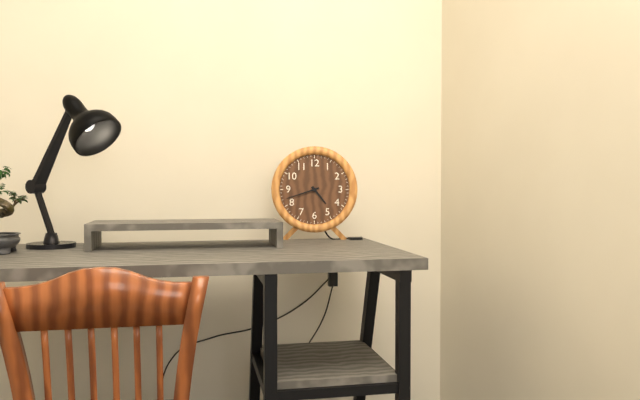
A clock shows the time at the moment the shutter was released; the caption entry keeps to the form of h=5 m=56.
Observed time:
h=4 m=42
